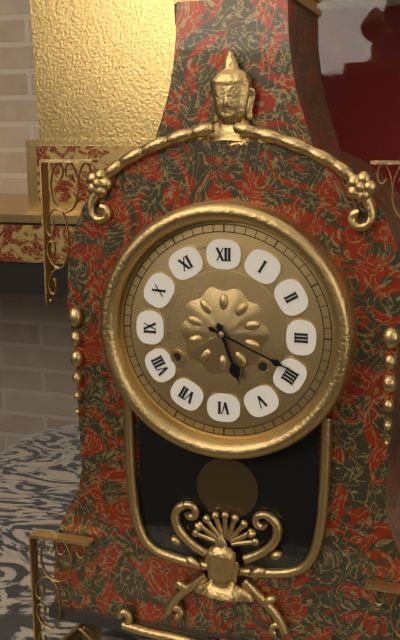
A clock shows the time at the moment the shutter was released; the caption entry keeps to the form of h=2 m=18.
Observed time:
h=5 m=19
